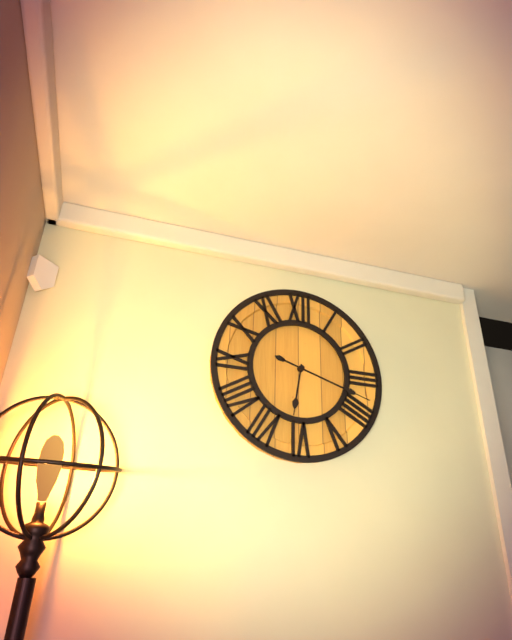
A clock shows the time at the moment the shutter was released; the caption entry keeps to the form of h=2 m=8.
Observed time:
h=6 m=18
